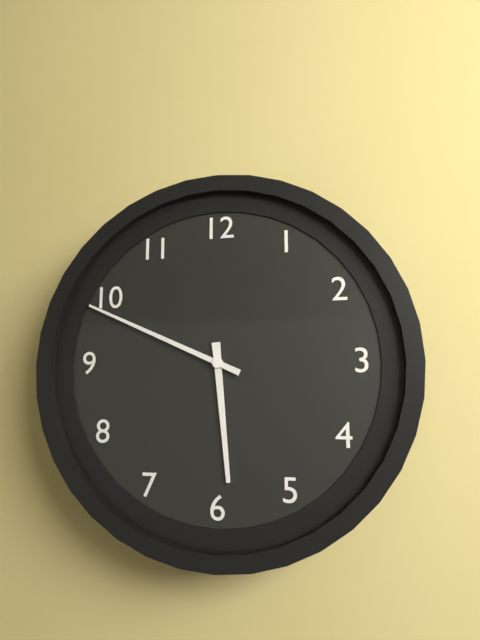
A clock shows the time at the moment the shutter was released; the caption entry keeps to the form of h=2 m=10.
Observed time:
h=5 m=49
